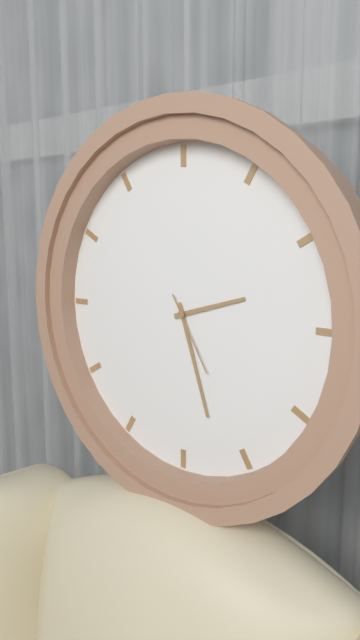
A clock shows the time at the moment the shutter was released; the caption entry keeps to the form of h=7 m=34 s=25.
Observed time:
h=2 m=27 s=25
